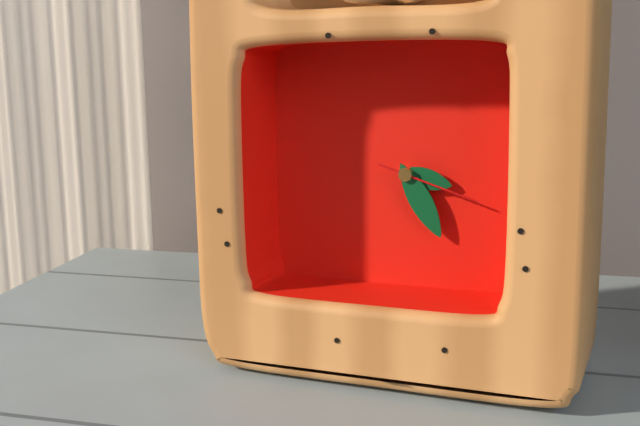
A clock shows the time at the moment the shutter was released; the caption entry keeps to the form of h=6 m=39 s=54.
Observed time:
h=3 m=25 s=18
